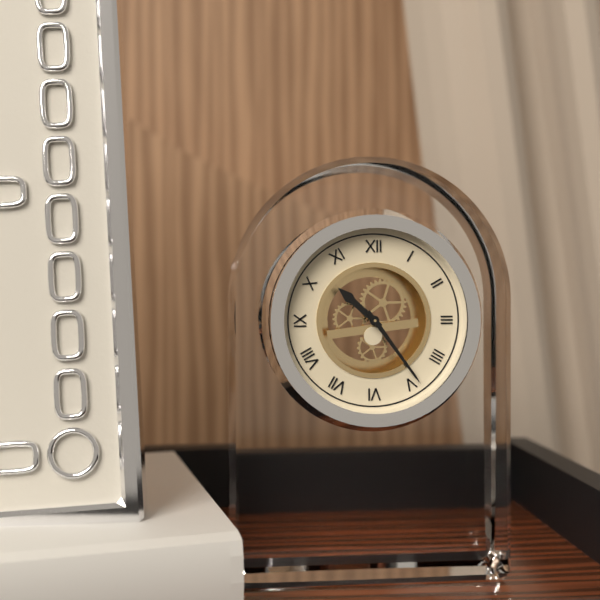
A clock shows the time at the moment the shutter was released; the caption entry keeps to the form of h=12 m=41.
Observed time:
h=10 m=24
